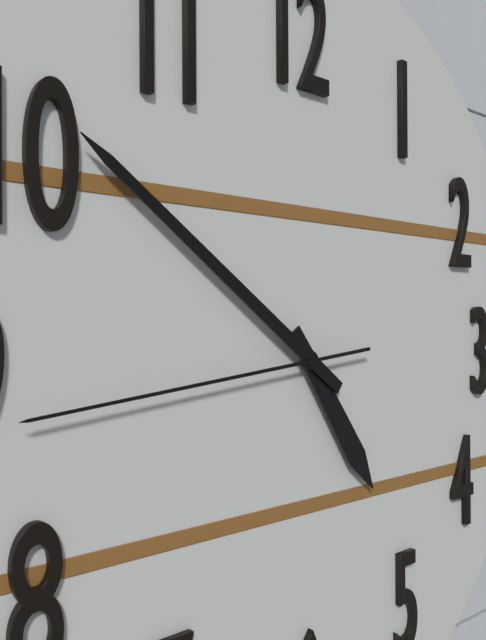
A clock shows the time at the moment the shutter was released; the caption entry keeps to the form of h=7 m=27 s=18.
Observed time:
h=4 m=51 s=44
